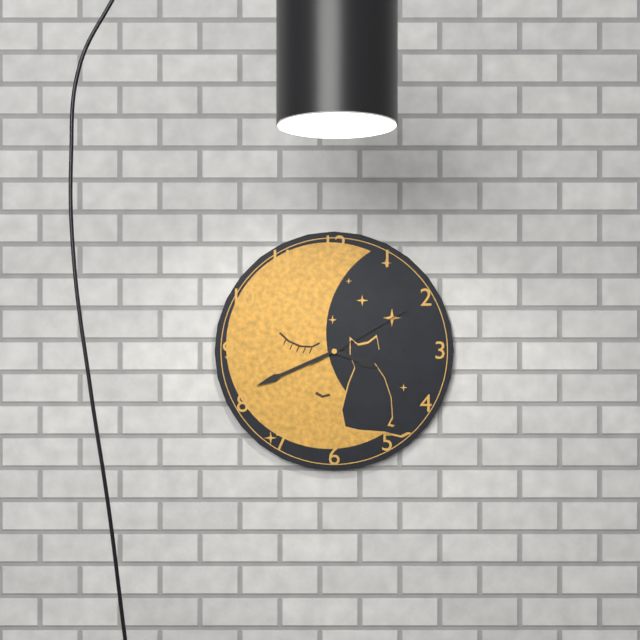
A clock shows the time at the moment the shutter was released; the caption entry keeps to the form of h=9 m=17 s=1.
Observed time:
h=3 m=41 s=10
